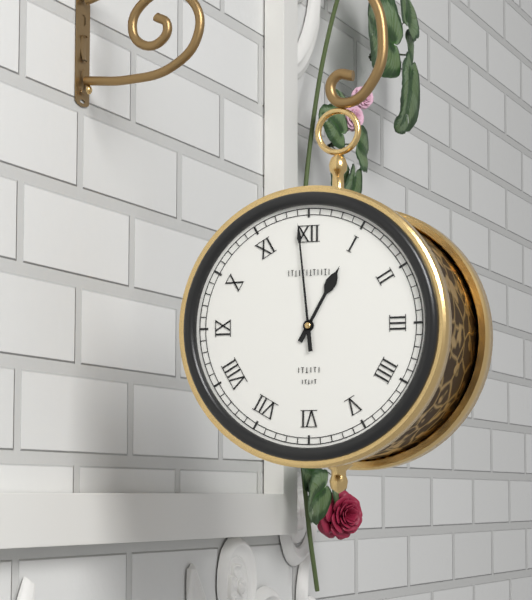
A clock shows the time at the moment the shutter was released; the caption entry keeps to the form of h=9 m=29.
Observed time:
h=12 m=59
